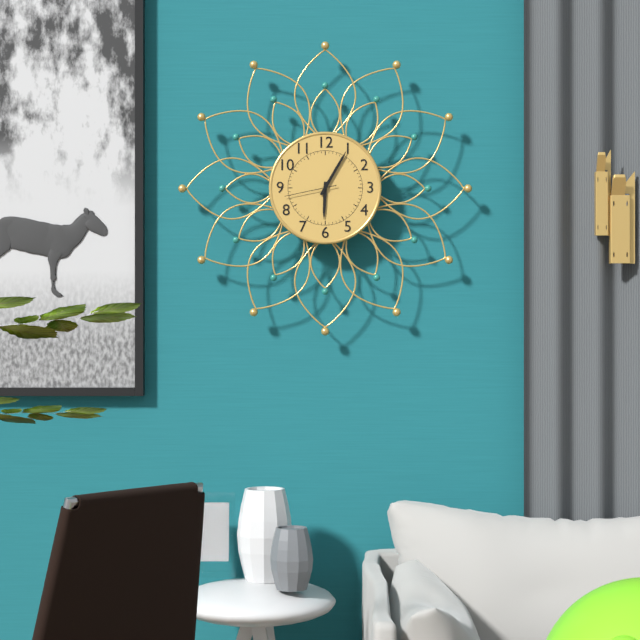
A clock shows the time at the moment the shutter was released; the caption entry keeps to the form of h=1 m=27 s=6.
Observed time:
h=6 m=5 s=43
